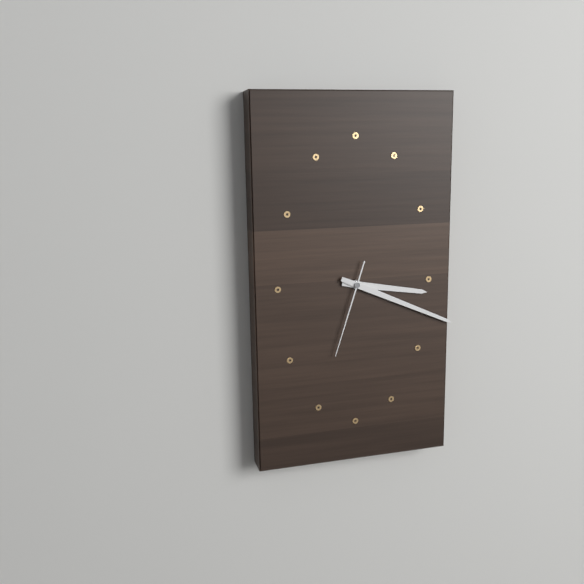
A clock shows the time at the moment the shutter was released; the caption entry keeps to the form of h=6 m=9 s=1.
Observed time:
h=3 m=19 s=33
